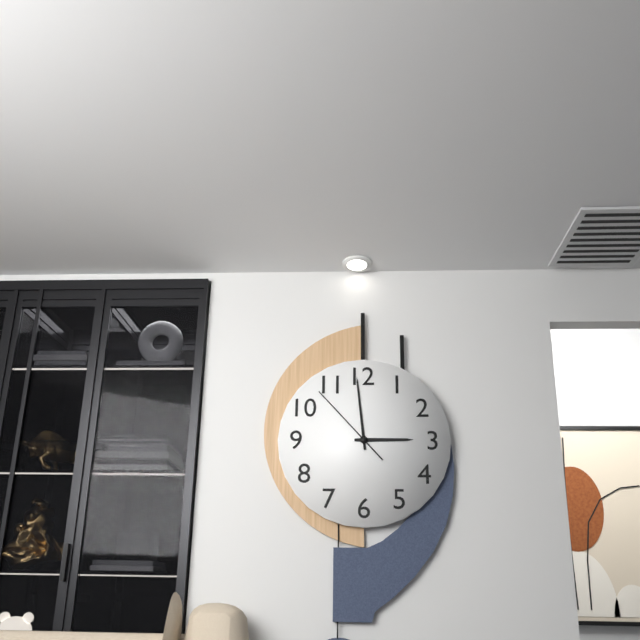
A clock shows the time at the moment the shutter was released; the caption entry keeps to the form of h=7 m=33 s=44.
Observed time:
h=2 m=59 s=53
